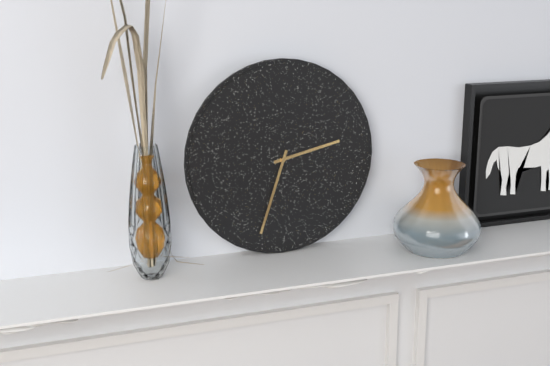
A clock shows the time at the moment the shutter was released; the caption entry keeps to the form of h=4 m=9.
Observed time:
h=2 m=33
